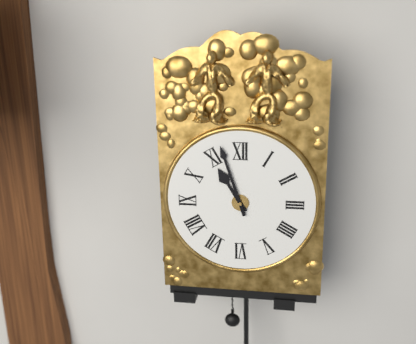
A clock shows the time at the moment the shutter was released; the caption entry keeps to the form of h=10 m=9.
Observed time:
h=10 m=57
